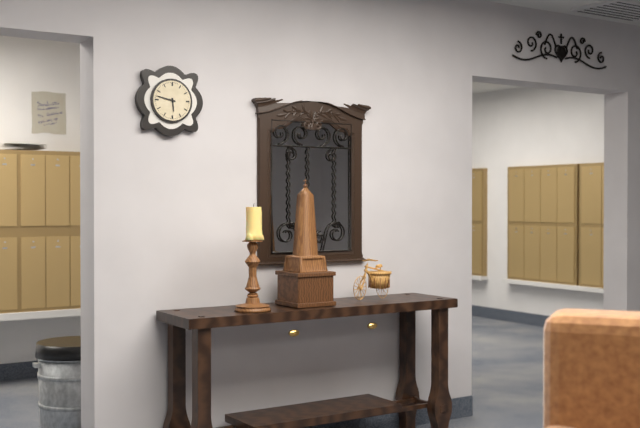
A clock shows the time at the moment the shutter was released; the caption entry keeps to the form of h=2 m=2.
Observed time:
h=5 m=47
